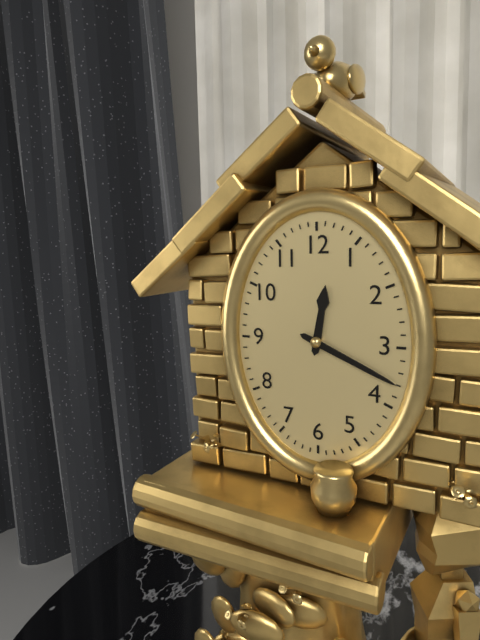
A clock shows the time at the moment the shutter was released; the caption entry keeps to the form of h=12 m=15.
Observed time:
h=12 m=19
